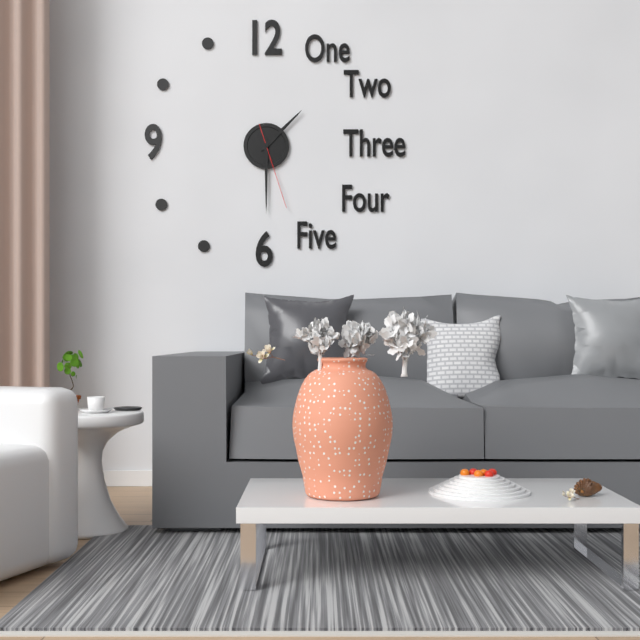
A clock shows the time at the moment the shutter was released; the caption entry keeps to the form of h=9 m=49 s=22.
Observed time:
h=1 m=30 s=27
